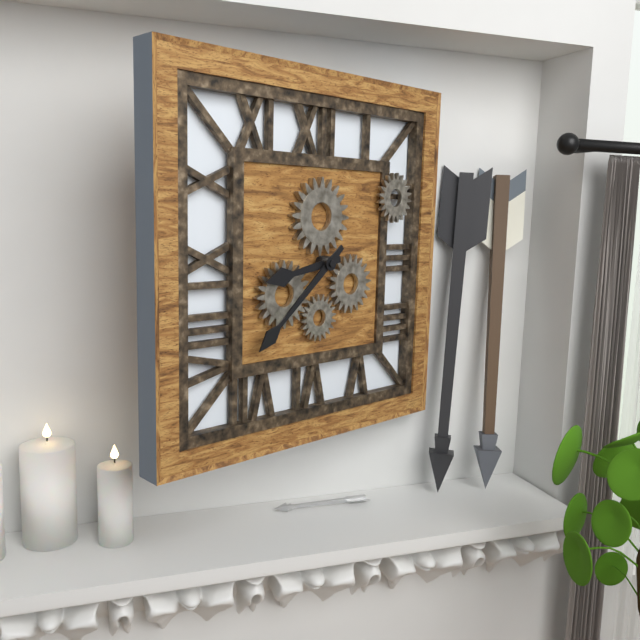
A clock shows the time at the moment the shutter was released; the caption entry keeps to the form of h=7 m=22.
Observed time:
h=8 m=38
